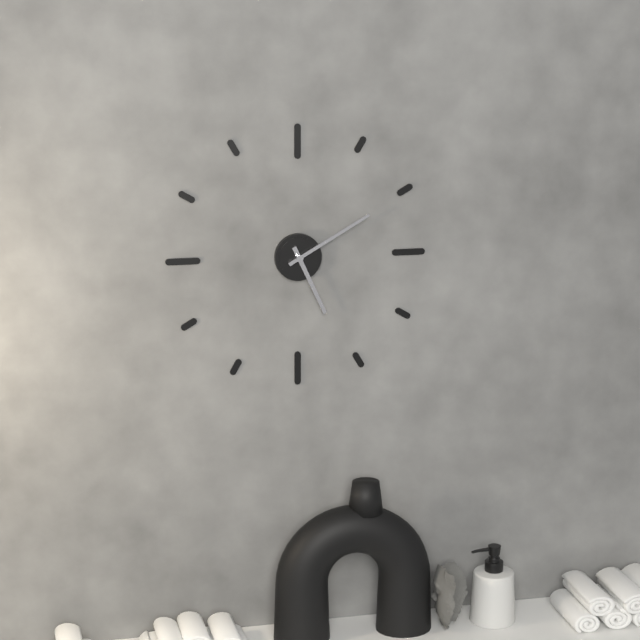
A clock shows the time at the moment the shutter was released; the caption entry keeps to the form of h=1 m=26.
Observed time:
h=5 m=10
